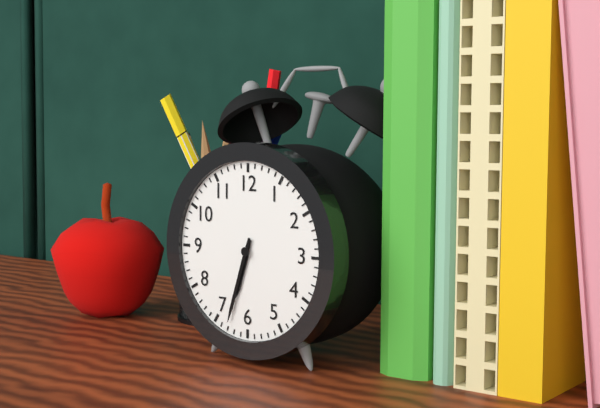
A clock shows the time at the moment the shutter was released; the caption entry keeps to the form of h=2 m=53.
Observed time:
h=6 m=33
